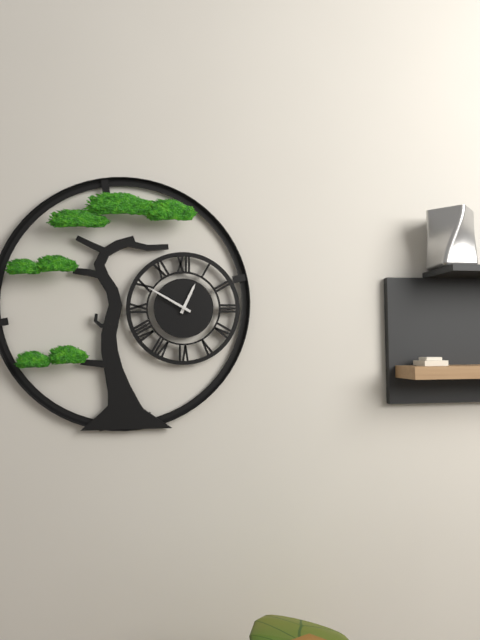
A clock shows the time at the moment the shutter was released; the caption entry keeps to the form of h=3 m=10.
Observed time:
h=12 m=50
